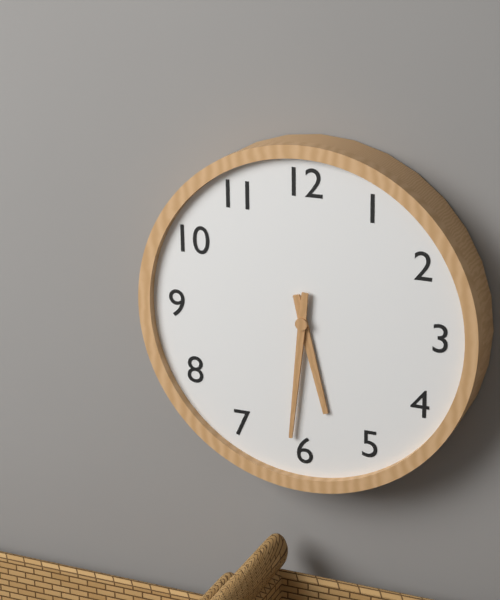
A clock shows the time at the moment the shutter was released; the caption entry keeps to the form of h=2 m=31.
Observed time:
h=5 m=31
